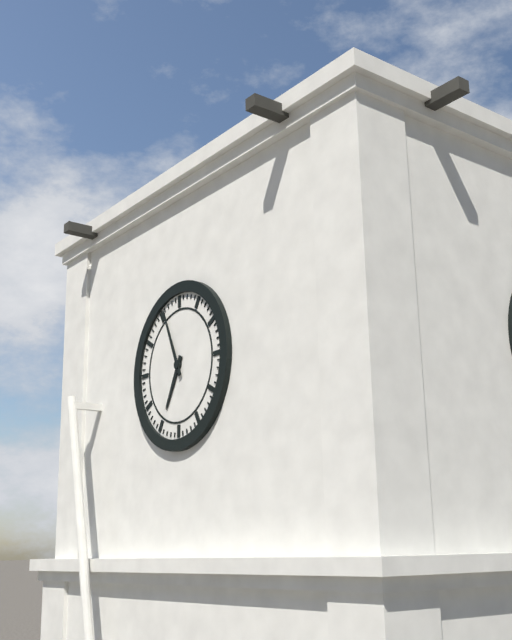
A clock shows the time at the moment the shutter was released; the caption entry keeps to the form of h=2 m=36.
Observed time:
h=6 m=56
